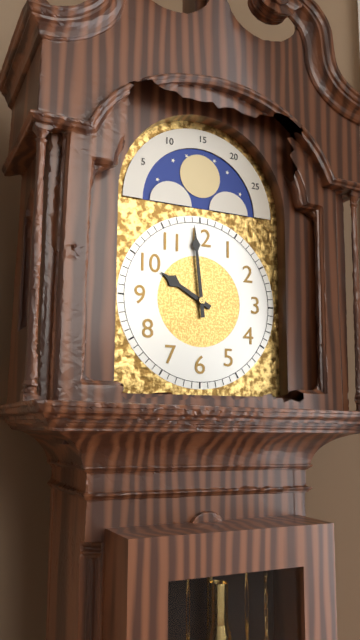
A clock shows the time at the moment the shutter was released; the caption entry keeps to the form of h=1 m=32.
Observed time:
h=9 m=59
